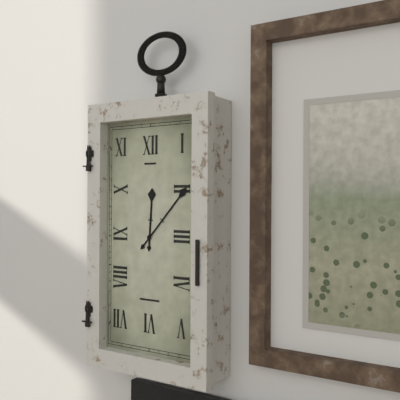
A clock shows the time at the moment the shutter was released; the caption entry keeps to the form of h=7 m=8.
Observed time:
h=12 m=7
